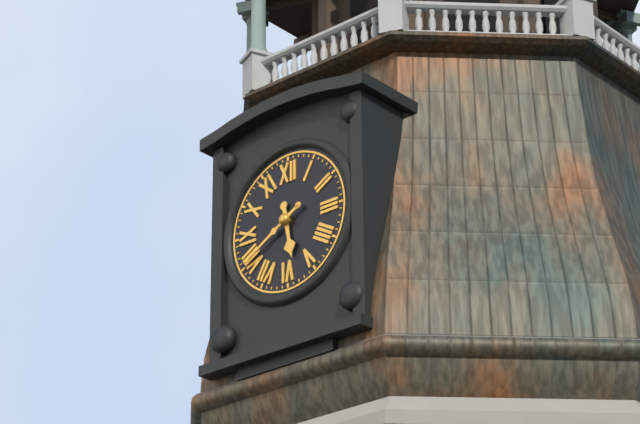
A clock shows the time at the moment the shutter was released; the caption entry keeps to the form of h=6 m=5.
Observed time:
h=5 m=40
